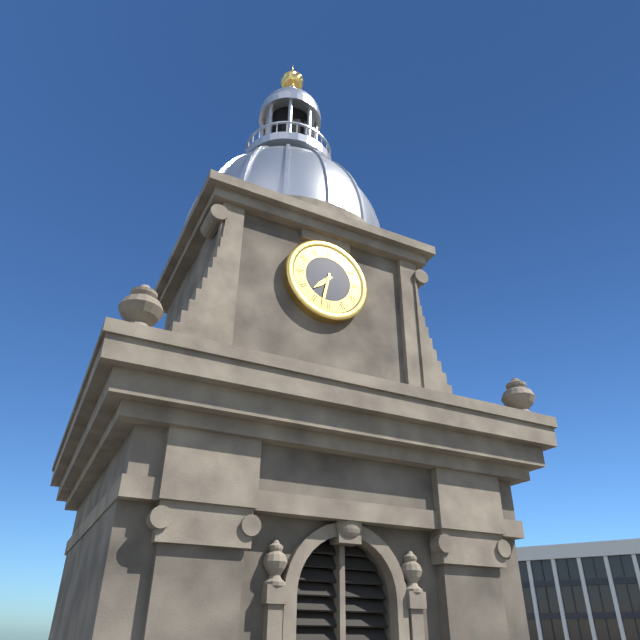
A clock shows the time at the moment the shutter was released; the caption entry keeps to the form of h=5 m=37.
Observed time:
h=7 m=32
